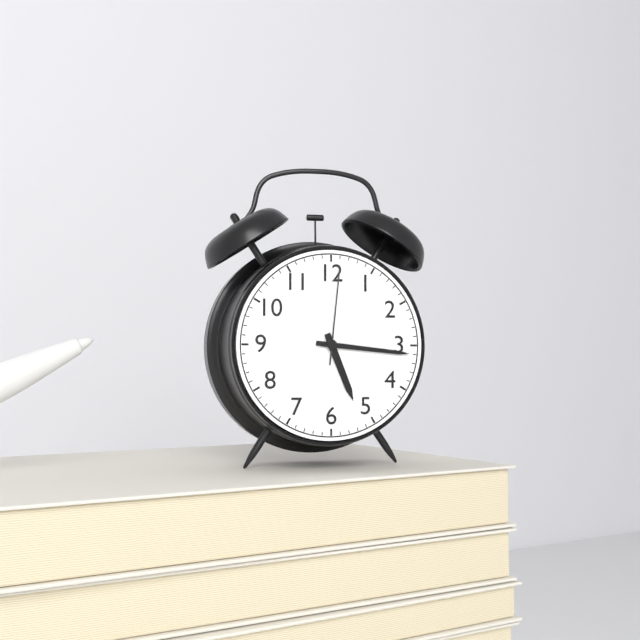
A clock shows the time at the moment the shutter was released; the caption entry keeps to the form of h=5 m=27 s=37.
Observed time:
h=5 m=16 s=1
